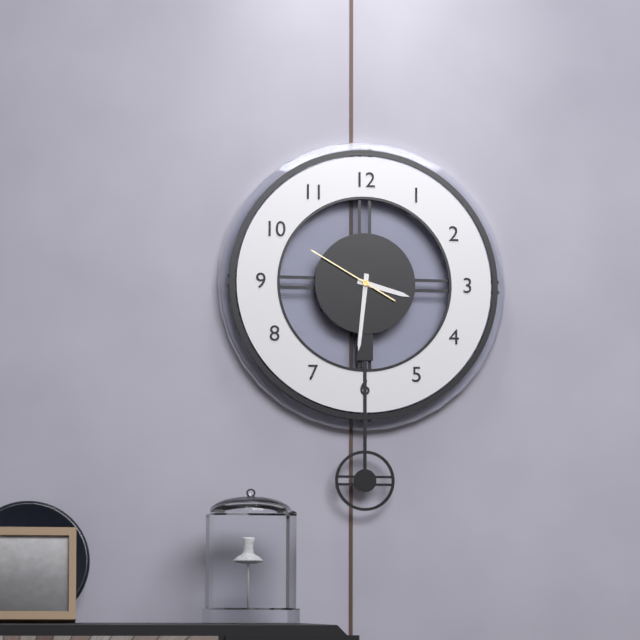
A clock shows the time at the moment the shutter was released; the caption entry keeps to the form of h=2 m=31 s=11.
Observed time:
h=3 m=31 s=50
